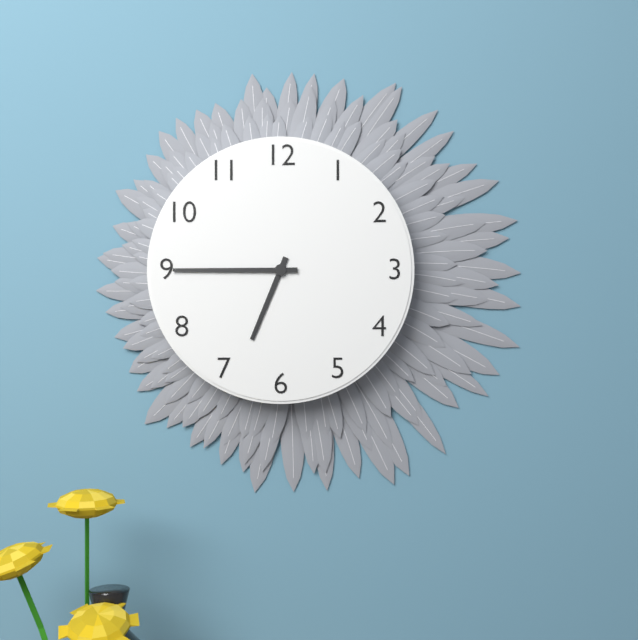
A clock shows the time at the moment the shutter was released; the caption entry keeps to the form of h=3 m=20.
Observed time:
h=6 m=45
